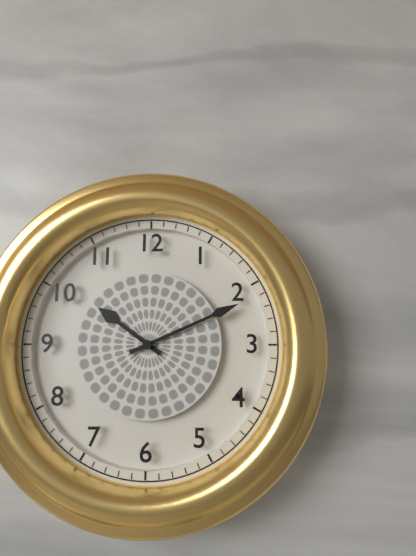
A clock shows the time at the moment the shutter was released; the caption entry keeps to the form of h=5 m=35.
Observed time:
h=10 m=11
